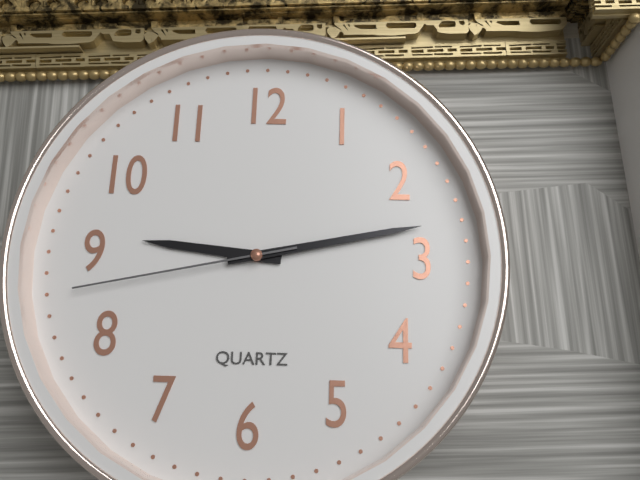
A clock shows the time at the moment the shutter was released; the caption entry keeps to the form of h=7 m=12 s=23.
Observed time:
h=9 m=13 s=43
